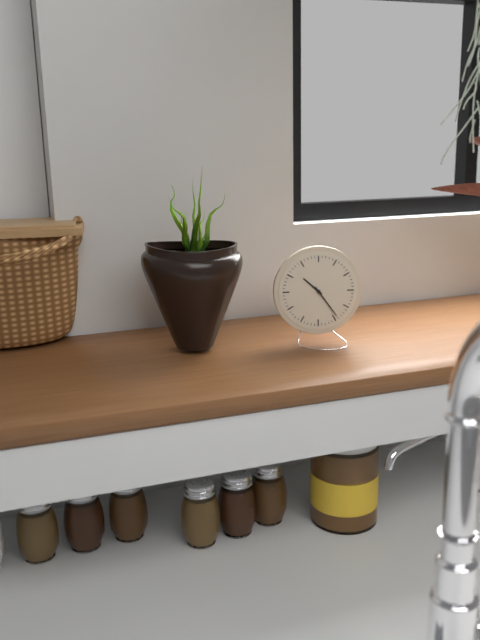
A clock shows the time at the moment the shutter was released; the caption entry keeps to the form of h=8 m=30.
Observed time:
h=10 m=24
